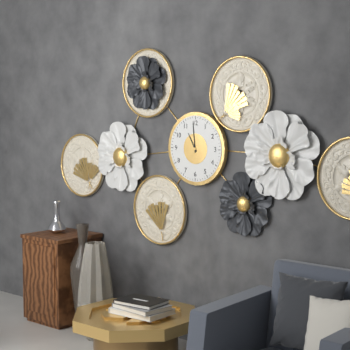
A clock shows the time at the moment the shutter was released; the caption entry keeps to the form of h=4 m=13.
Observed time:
h=10 m=59
